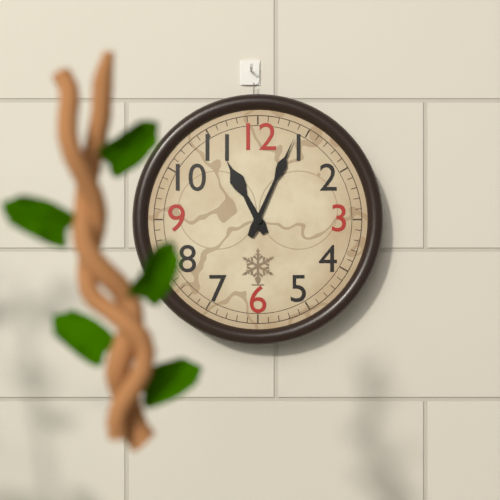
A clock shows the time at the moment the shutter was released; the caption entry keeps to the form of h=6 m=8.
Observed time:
h=11 m=4
